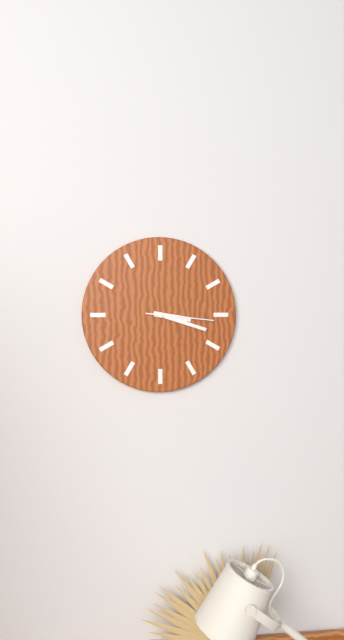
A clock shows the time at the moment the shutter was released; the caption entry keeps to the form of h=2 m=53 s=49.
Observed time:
h=3 m=18 s=16
